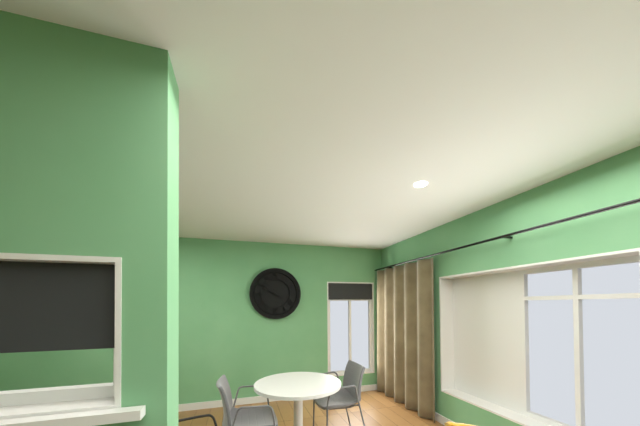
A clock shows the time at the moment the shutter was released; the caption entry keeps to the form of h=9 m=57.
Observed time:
h=9 m=51
